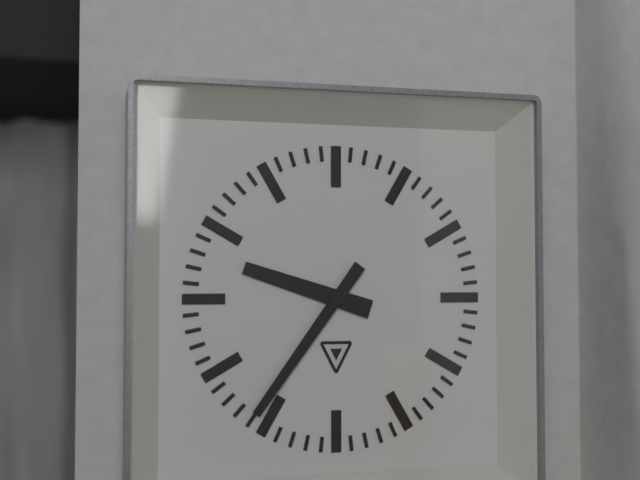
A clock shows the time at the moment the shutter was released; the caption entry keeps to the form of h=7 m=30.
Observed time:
h=9 m=36
